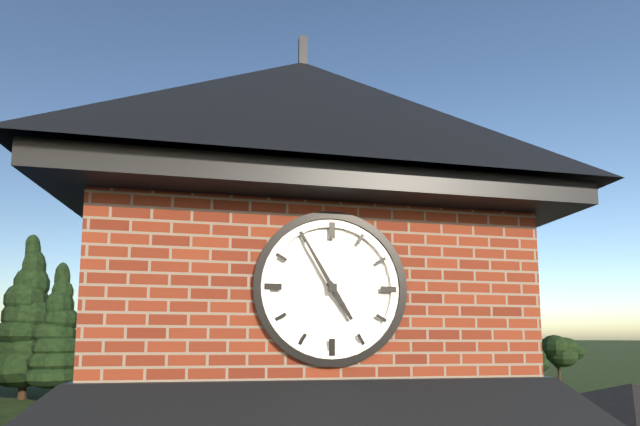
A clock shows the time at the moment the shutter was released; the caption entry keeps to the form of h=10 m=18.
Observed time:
h=4 m=55
